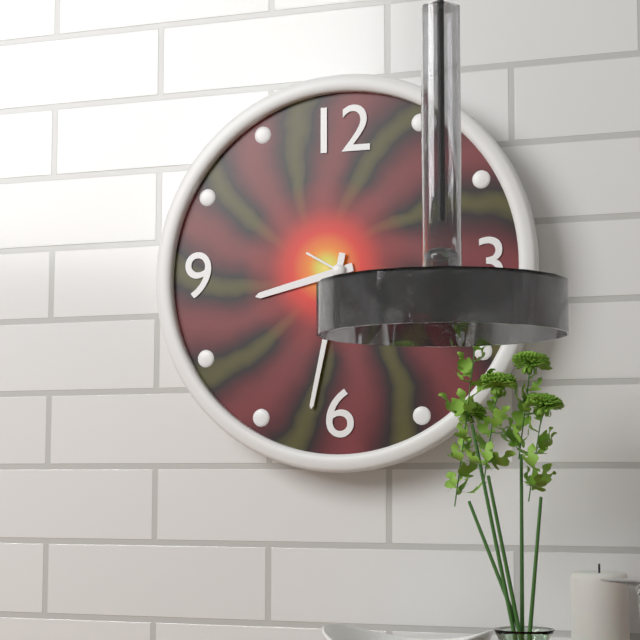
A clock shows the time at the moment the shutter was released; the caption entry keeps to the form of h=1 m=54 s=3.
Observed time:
h=8 m=32 s=20
